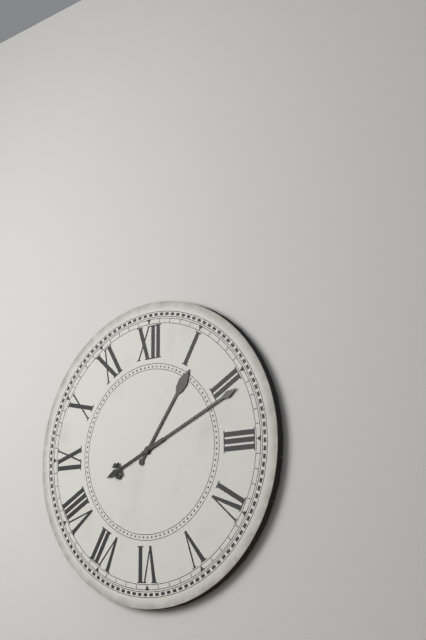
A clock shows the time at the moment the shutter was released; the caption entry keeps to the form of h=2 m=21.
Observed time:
h=1 m=11
